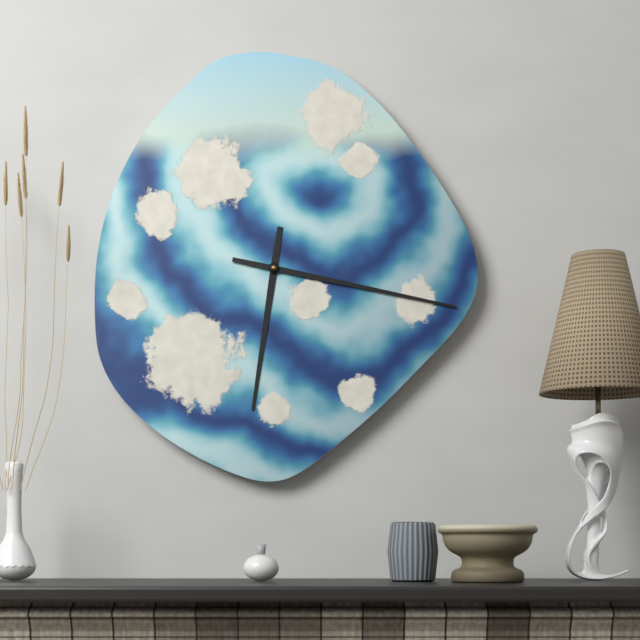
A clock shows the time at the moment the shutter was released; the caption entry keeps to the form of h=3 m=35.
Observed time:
h=6 m=17
